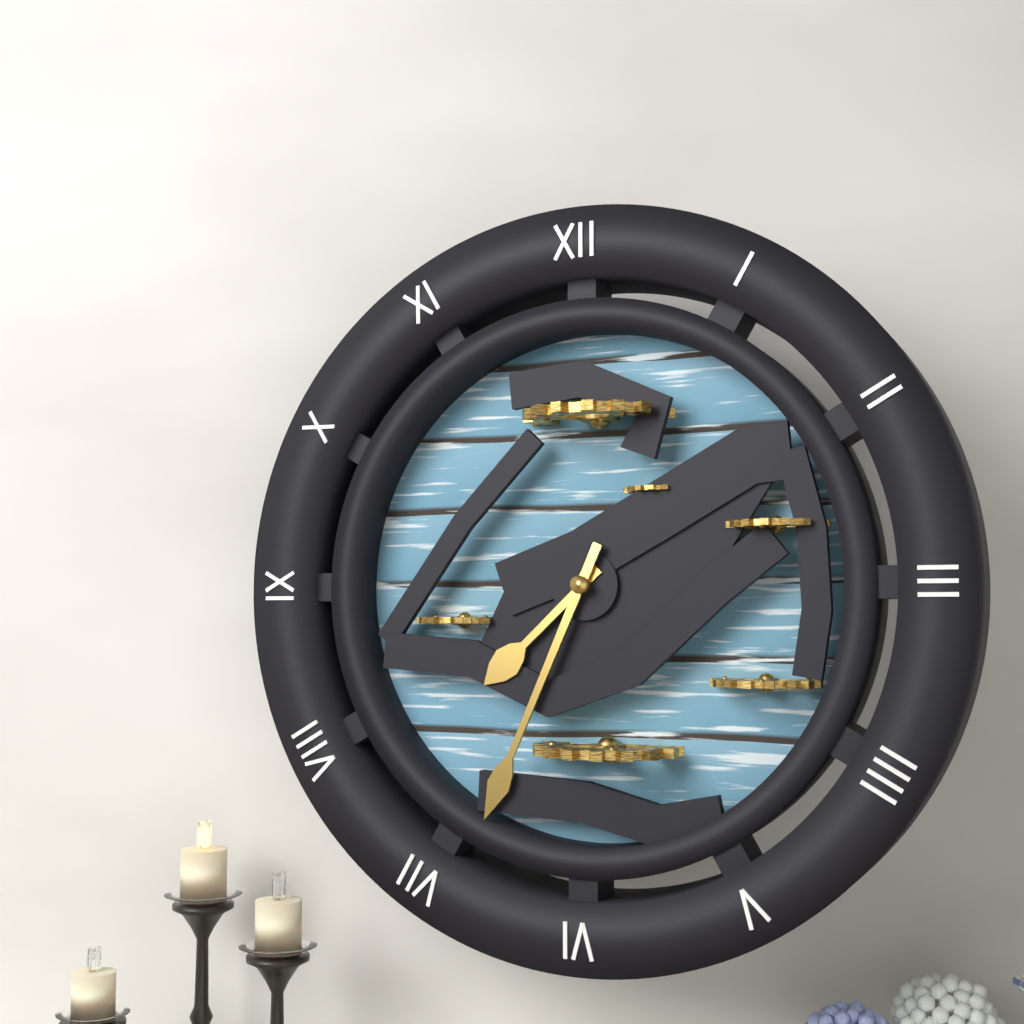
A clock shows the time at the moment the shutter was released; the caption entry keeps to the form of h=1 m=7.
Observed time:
h=7 m=34
